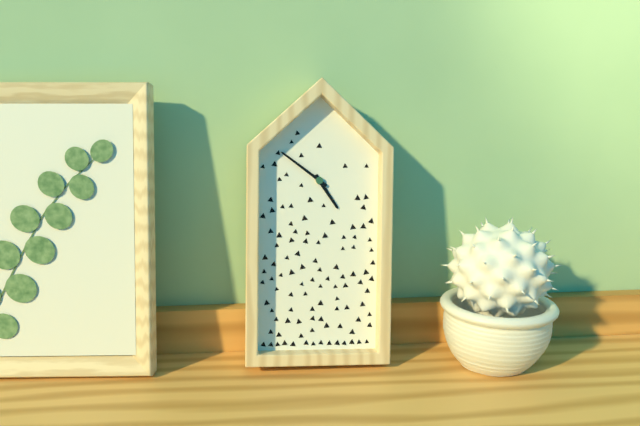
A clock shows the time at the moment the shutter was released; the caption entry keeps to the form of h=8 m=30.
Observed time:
h=4 m=51
